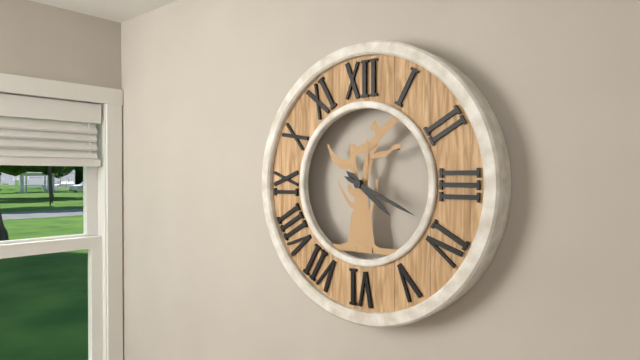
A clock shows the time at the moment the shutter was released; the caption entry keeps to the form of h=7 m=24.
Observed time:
h=4 m=19
